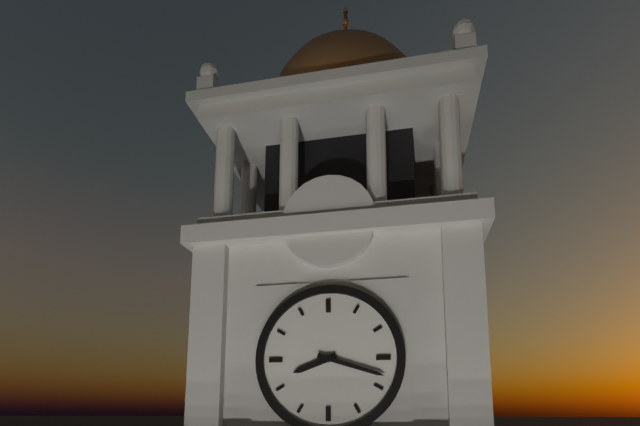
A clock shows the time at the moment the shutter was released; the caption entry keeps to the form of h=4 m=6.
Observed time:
h=8 m=18
